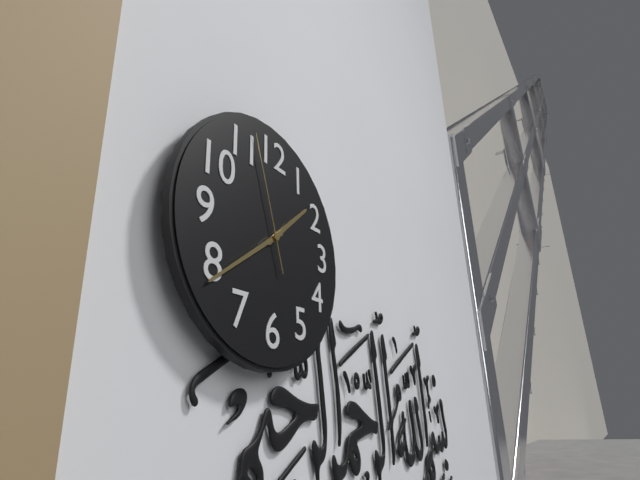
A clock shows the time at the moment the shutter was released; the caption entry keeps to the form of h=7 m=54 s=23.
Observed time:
h=1 m=39 s=57
